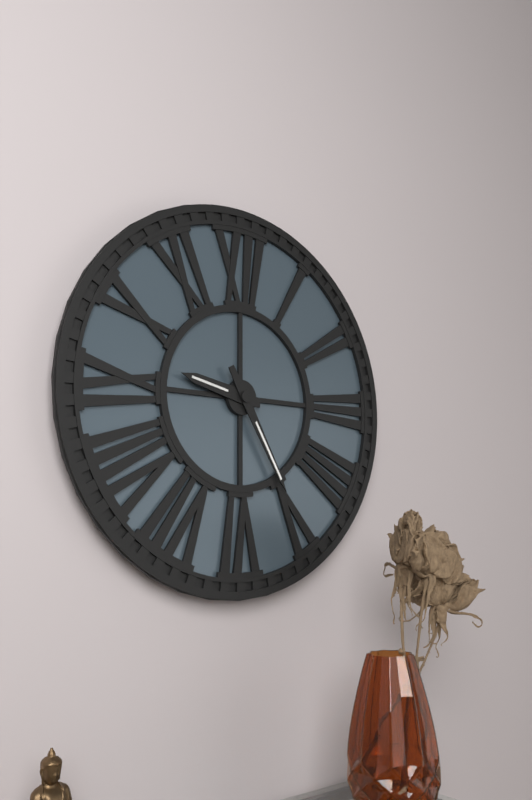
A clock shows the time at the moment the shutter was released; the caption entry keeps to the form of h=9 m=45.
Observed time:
h=9 m=25
